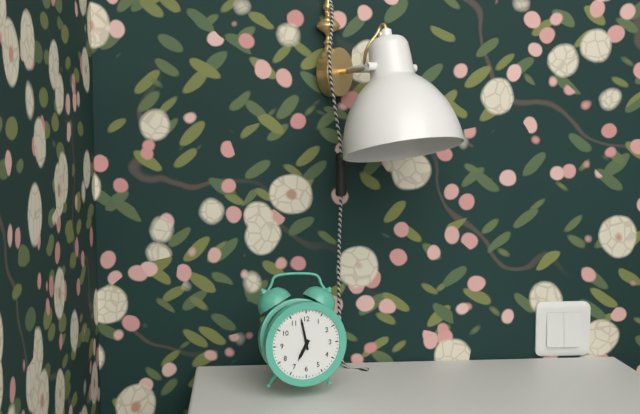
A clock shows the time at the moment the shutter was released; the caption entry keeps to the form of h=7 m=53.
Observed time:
h=6 m=58
